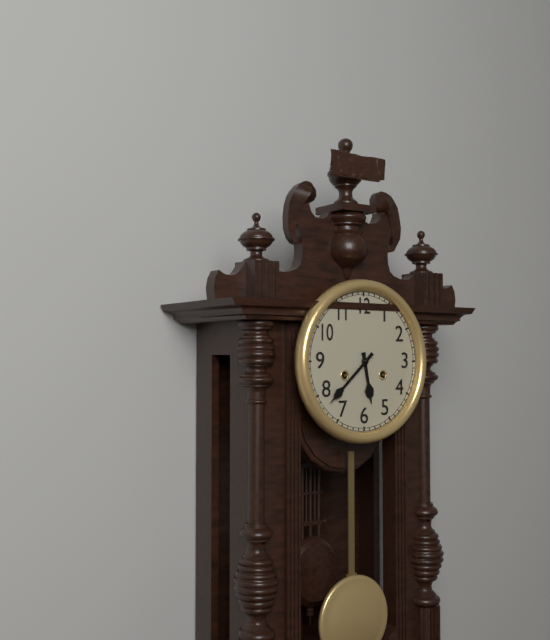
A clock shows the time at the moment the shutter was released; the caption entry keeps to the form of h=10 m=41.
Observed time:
h=5 m=38
